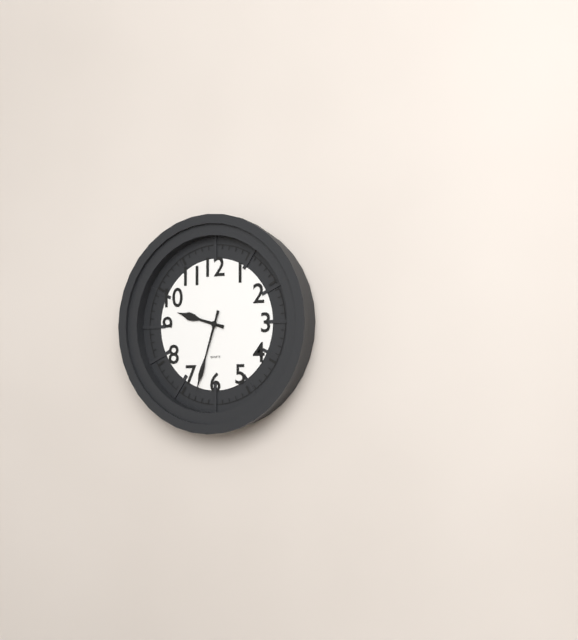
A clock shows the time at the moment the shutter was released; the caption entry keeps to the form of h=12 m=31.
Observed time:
h=9 m=33
